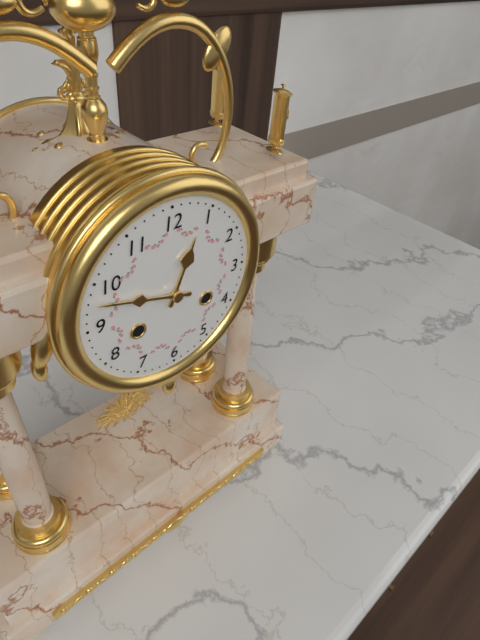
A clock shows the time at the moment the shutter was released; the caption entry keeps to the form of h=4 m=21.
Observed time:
h=12 m=48
